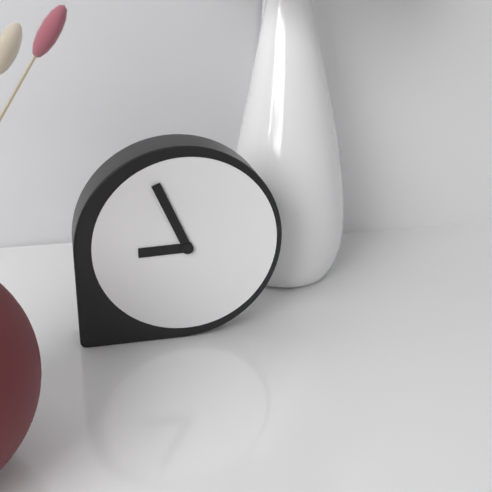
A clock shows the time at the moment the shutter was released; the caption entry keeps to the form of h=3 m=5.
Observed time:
h=8 m=56
